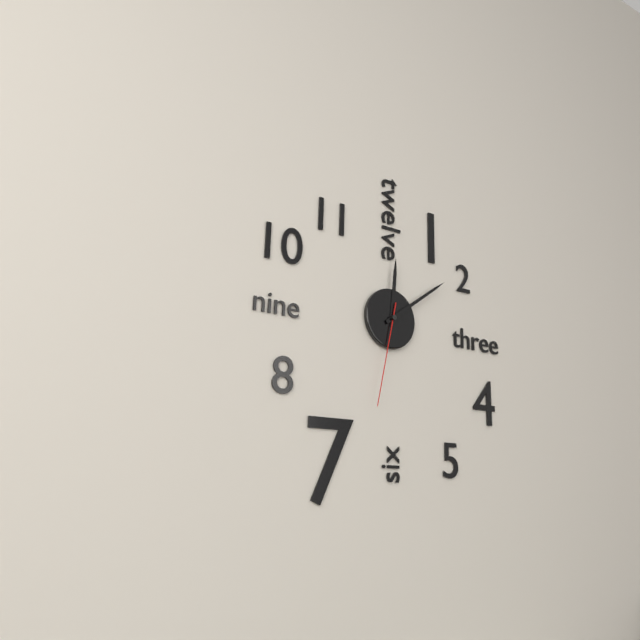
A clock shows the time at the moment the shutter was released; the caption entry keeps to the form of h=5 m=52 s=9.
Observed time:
h=12 m=9 s=32
